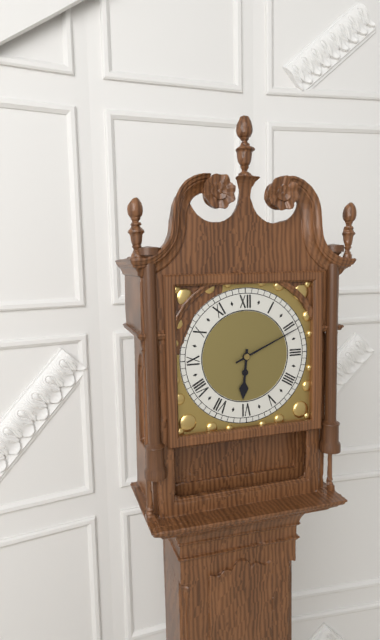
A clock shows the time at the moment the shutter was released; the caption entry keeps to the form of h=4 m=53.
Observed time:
h=6 m=11
